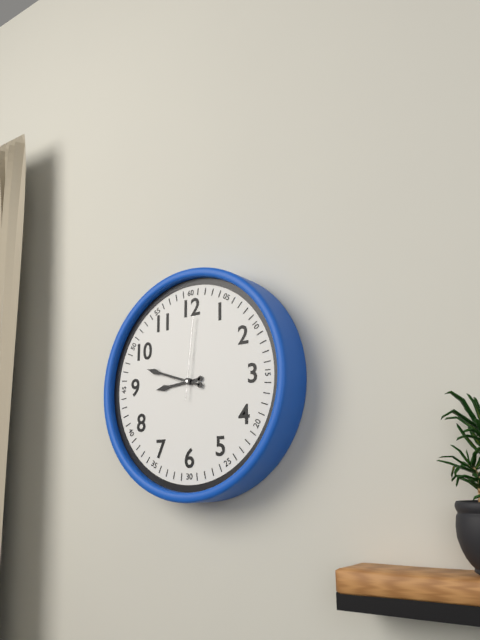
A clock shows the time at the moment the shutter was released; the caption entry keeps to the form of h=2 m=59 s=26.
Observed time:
h=8 m=48 s=1
